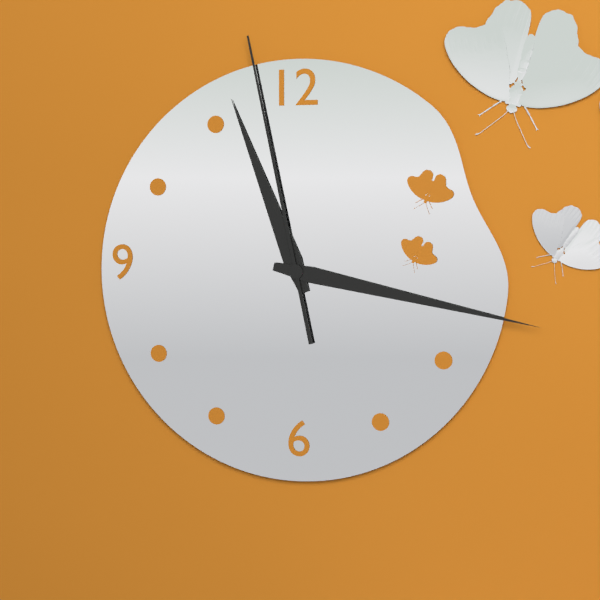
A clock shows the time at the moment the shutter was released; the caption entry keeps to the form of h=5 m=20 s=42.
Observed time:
h=11 m=17 s=58
